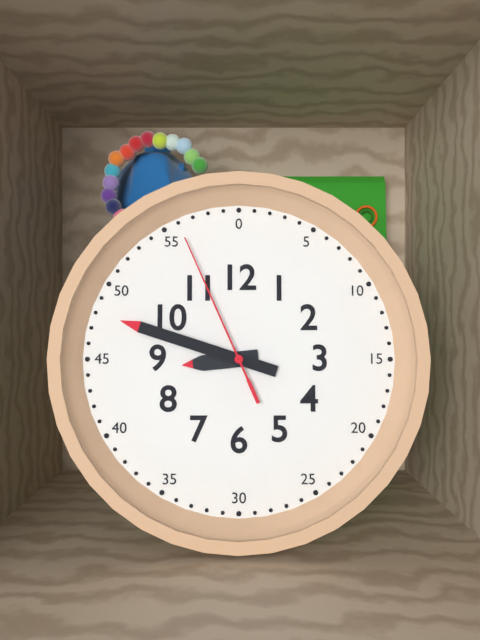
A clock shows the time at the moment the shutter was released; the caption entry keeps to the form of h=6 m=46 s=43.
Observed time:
h=8 m=48 s=56
